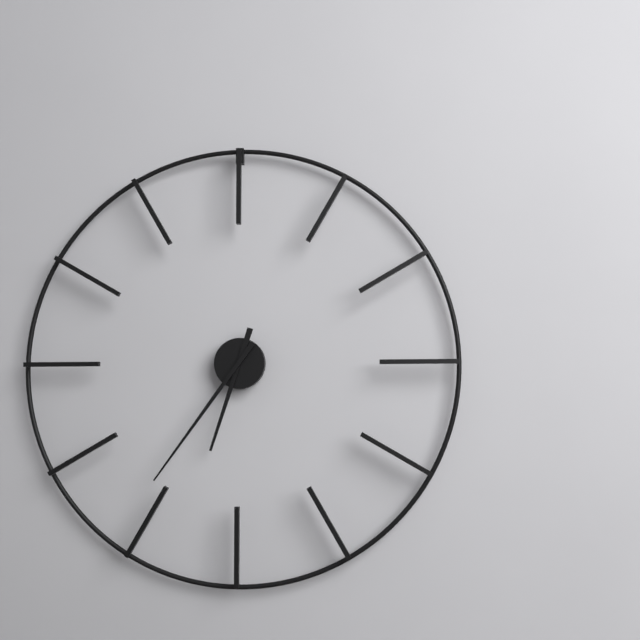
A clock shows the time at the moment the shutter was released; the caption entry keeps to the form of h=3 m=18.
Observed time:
h=6 m=36
